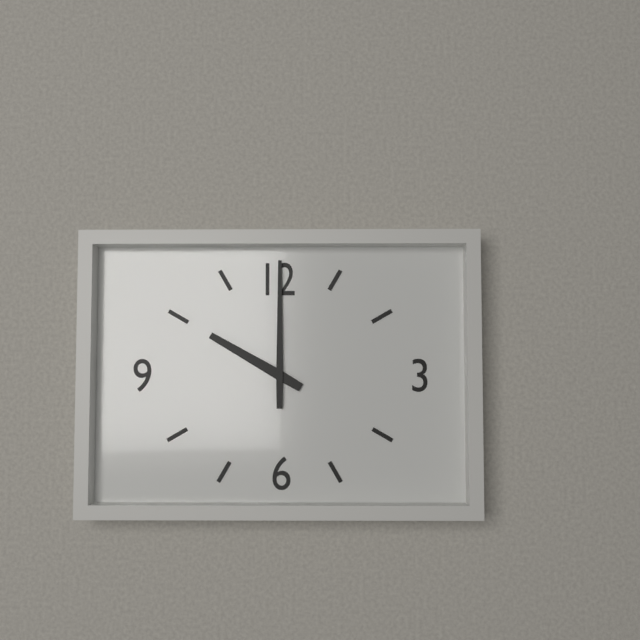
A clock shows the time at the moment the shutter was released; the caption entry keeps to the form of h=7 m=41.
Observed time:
h=10 m=0
